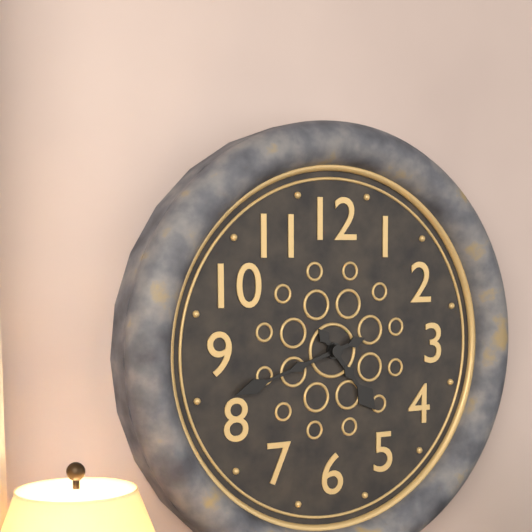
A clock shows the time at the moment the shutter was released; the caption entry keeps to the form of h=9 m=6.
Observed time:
h=4 m=42
